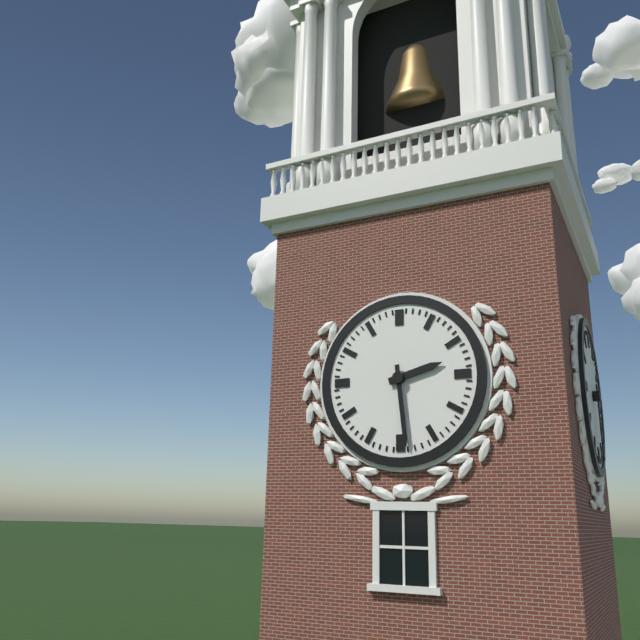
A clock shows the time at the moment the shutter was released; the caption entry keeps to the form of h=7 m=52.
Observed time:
h=2 m=29
